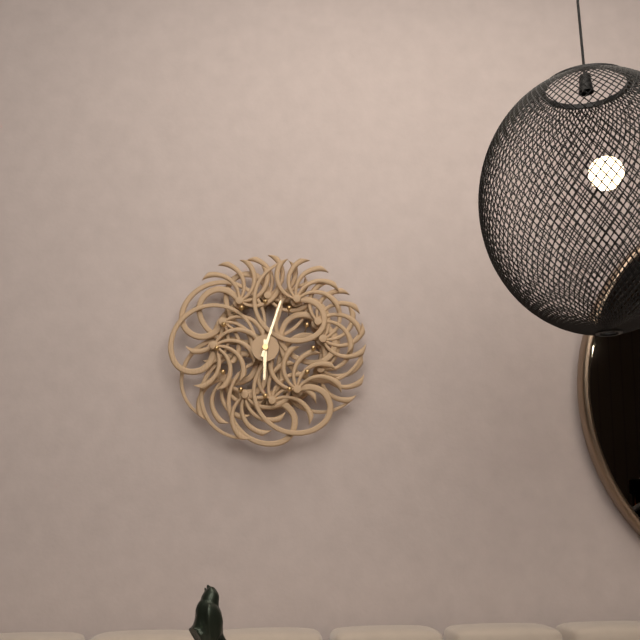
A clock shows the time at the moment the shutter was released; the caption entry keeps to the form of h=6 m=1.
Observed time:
h=6 m=3
